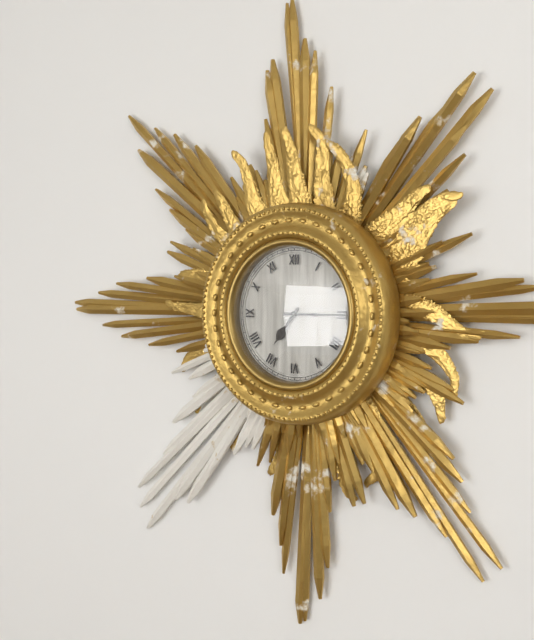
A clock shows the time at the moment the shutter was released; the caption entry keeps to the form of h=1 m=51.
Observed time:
h=7 m=15
